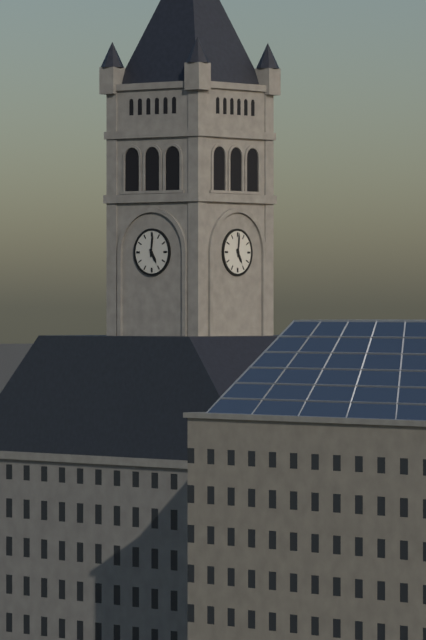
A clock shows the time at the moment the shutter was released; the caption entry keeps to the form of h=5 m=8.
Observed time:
h=5 m=1
